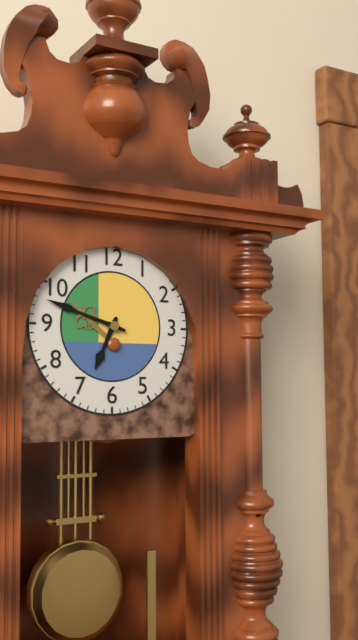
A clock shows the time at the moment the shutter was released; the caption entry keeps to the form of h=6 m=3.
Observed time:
h=6 m=48
